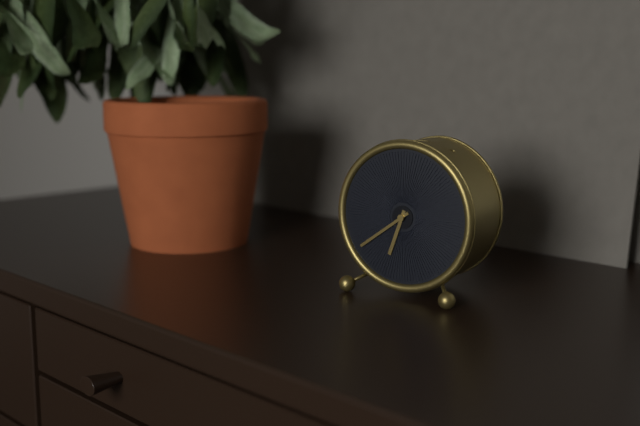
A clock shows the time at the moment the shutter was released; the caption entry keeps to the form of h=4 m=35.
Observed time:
h=6 m=39
